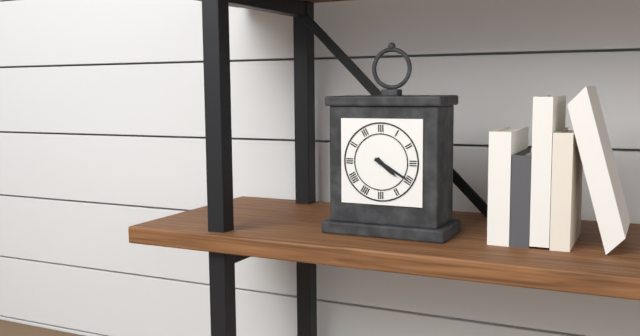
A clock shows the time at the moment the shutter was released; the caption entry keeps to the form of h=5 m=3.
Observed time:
h=4 m=20
